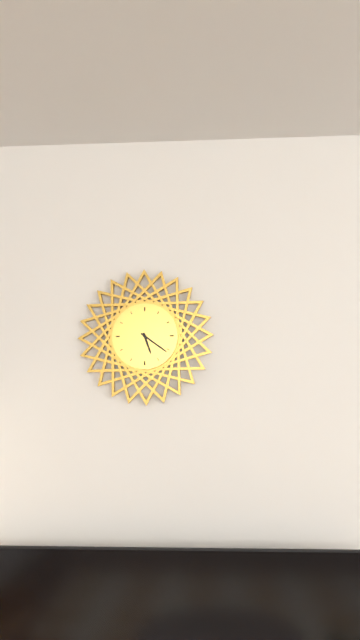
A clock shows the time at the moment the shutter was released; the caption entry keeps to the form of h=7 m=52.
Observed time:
h=5 m=21
